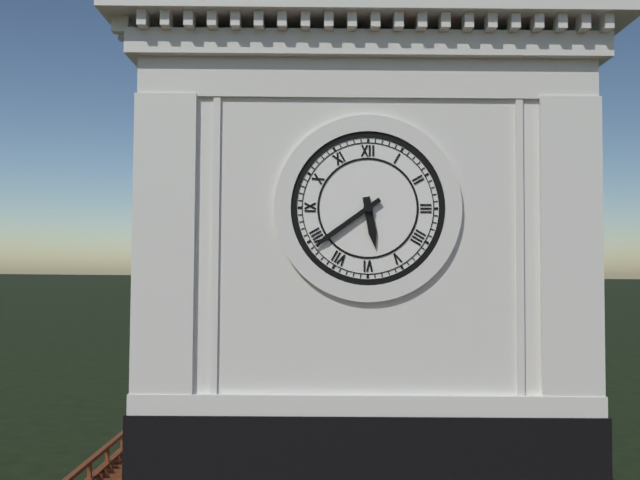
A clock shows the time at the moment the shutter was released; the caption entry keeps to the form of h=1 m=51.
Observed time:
h=5 m=39
